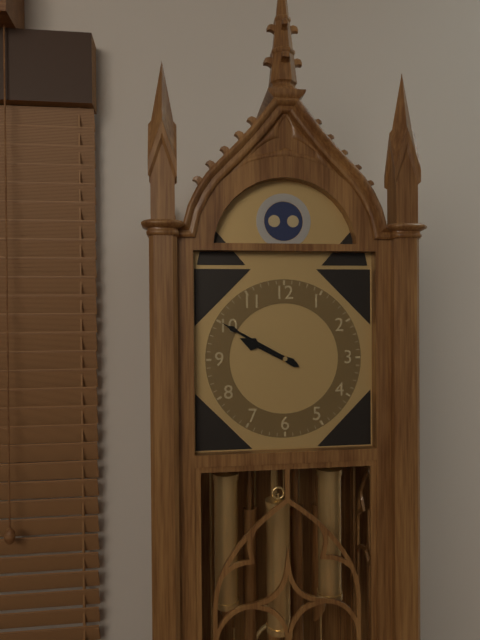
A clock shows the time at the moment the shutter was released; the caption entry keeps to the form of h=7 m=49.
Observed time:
h=9 m=50
